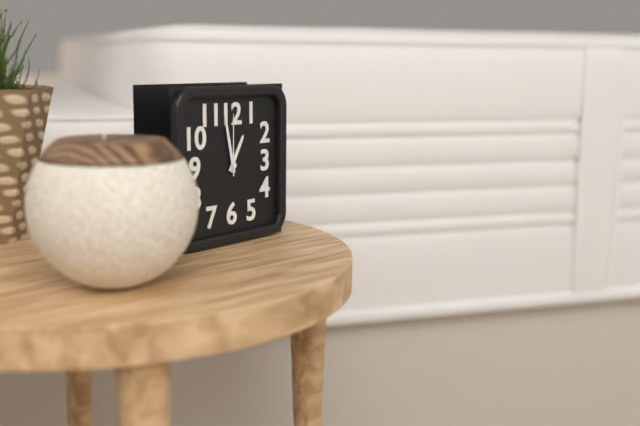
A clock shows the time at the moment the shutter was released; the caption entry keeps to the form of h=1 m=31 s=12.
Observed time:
h=12 m=58 s=0
